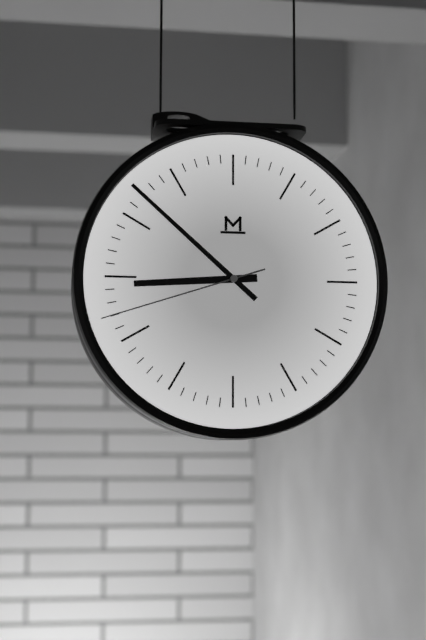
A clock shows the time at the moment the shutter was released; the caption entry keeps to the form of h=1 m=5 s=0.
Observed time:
h=8 m=52 s=42
